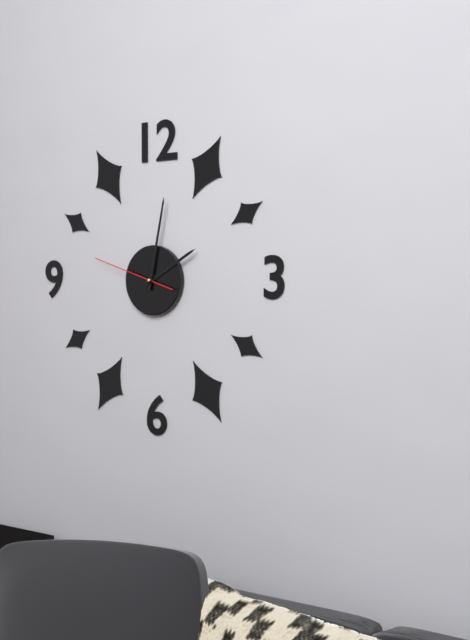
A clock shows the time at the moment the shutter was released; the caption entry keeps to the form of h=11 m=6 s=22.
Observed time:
h=2 m=2 s=48
